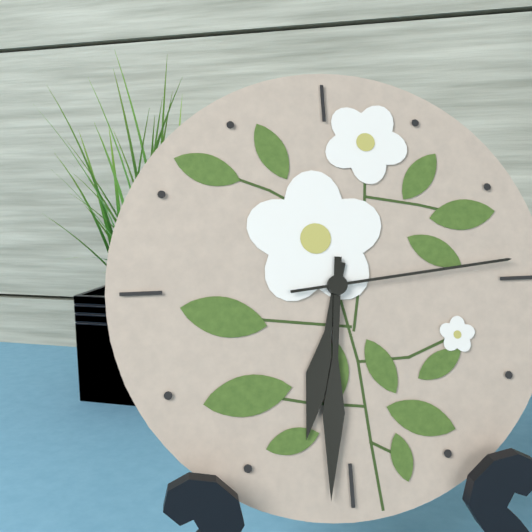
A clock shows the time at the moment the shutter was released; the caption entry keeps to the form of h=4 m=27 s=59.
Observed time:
h=6 m=31 s=14
